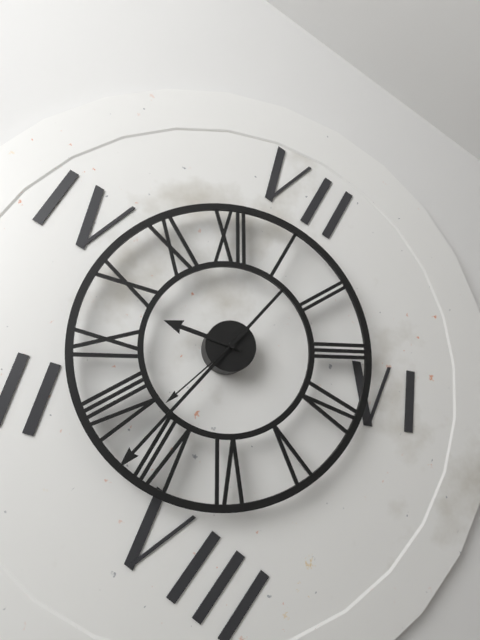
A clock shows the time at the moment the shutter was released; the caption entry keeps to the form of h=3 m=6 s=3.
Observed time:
h=9 m=37 s=38
